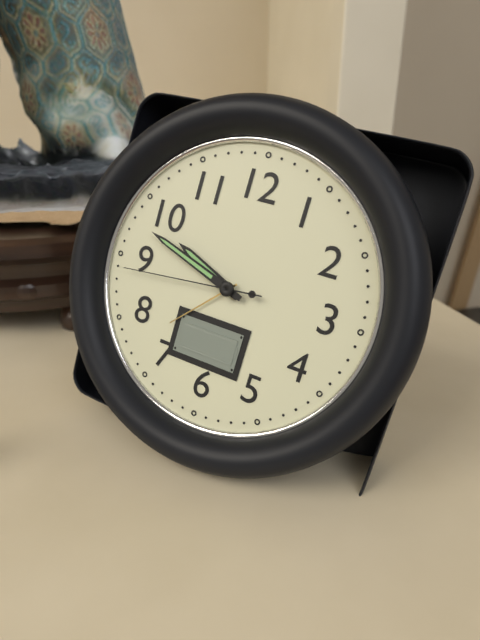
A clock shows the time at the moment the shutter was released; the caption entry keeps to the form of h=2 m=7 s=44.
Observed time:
h=9 m=48 s=44
